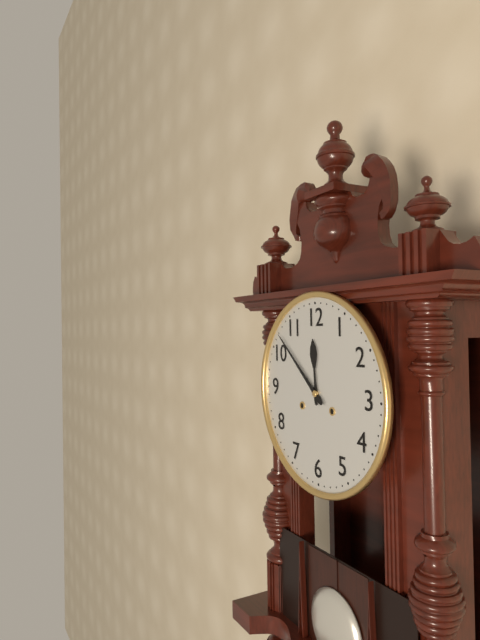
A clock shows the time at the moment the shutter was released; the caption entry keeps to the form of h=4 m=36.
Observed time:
h=11 m=52
